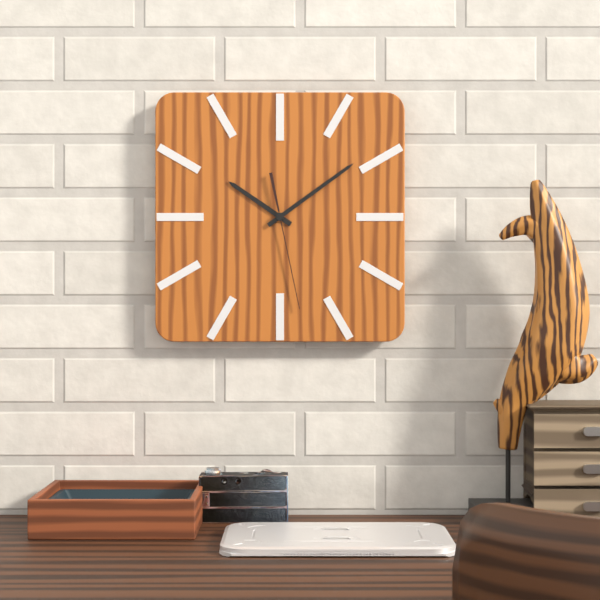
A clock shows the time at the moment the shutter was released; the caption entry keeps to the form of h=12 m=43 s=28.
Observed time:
h=10 m=9 s=28
